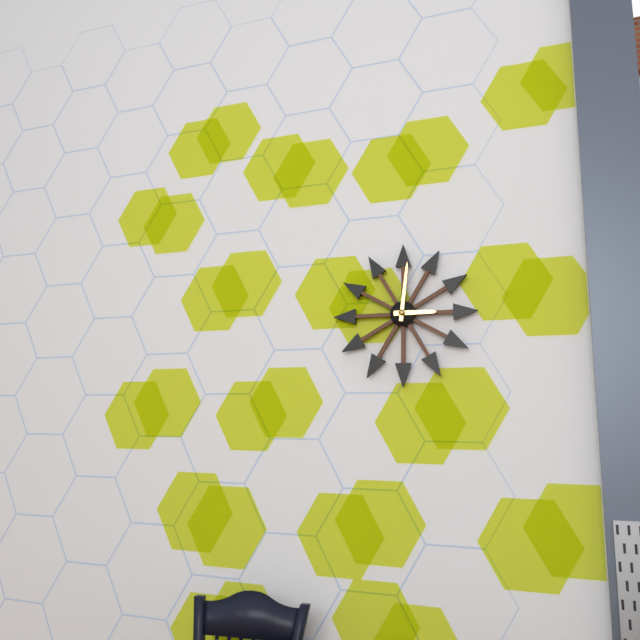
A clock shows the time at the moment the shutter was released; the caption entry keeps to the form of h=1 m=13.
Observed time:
h=3 m=1
